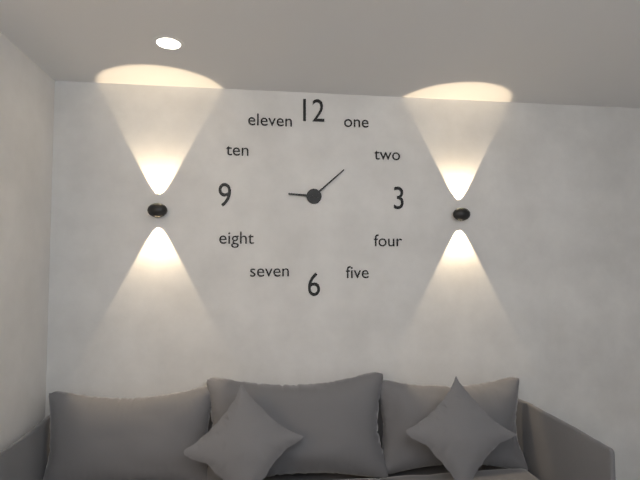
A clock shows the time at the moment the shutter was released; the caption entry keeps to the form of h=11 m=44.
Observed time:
h=9 m=8
